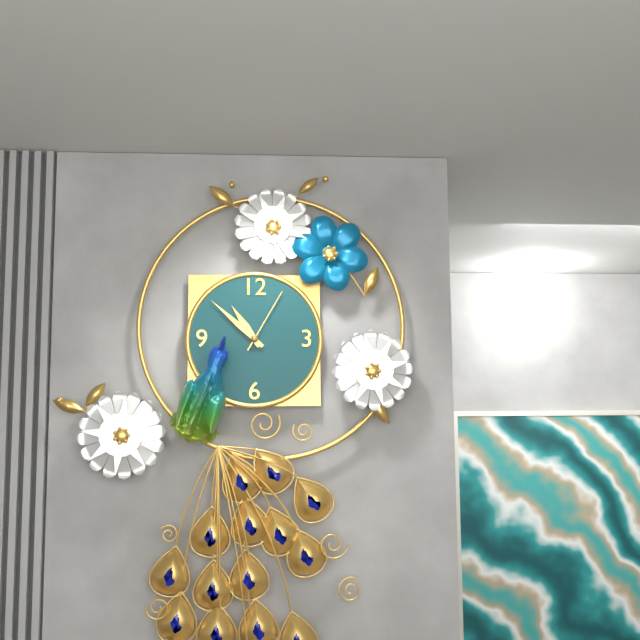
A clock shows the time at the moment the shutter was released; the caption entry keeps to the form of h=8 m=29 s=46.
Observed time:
h=10 m=52 s=5
